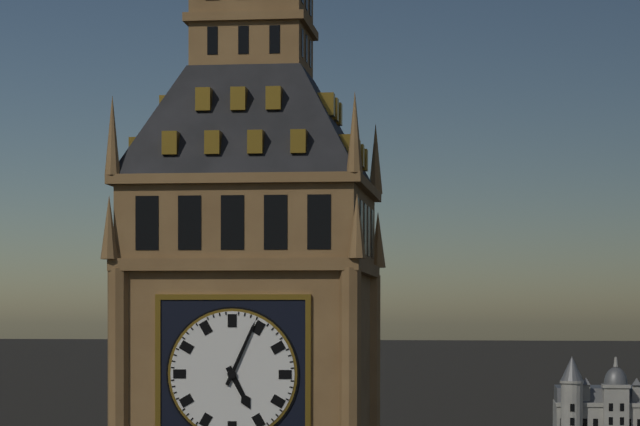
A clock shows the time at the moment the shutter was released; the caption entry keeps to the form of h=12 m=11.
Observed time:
h=5 m=4
